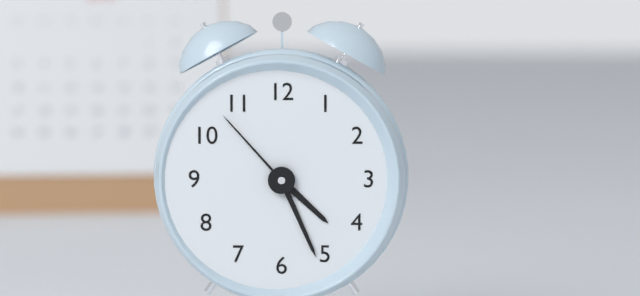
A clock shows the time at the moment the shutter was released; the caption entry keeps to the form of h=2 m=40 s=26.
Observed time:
h=4 m=26 s=53
